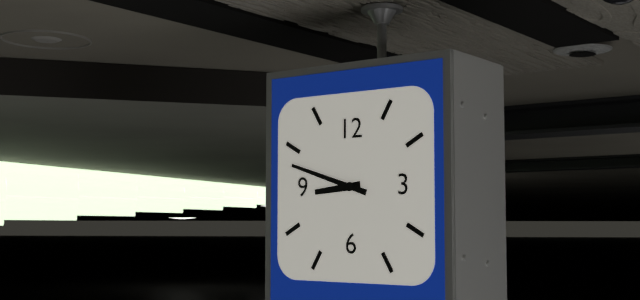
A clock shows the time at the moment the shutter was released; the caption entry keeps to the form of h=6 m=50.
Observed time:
h=8 m=48
